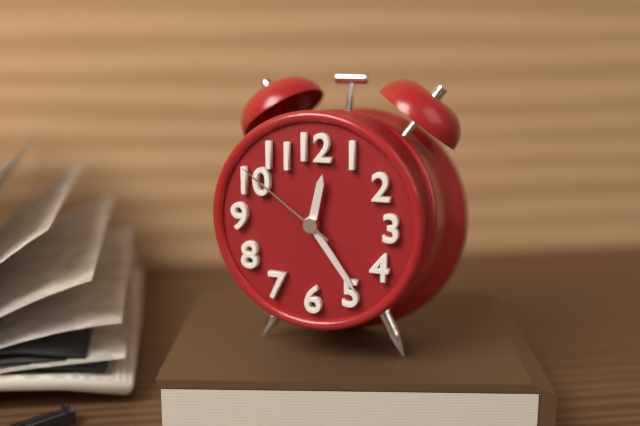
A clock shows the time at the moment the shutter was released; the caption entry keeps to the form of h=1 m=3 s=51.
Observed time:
h=12 m=24 s=51
